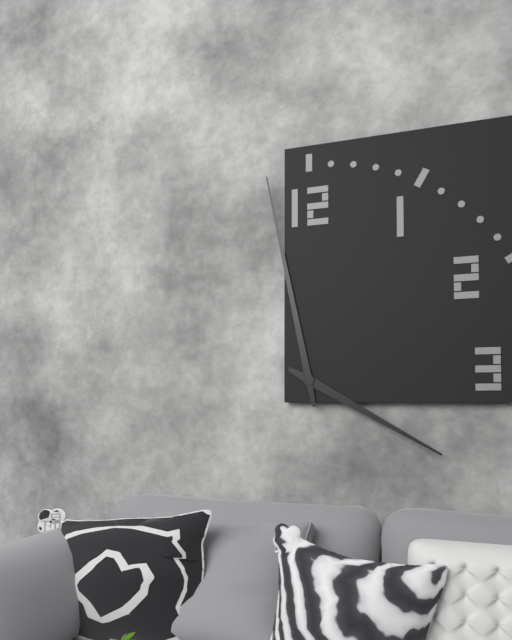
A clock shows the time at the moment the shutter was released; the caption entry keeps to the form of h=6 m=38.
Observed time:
h=3 m=58
